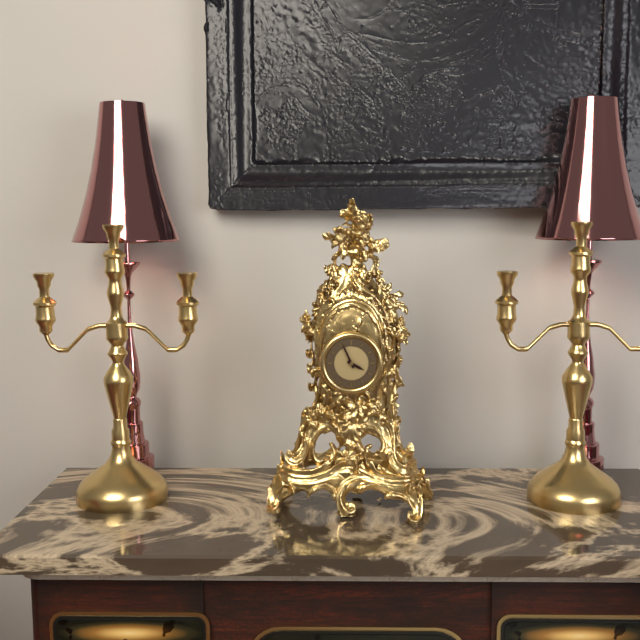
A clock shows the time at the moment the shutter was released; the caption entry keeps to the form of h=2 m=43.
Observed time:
h=3 m=56
